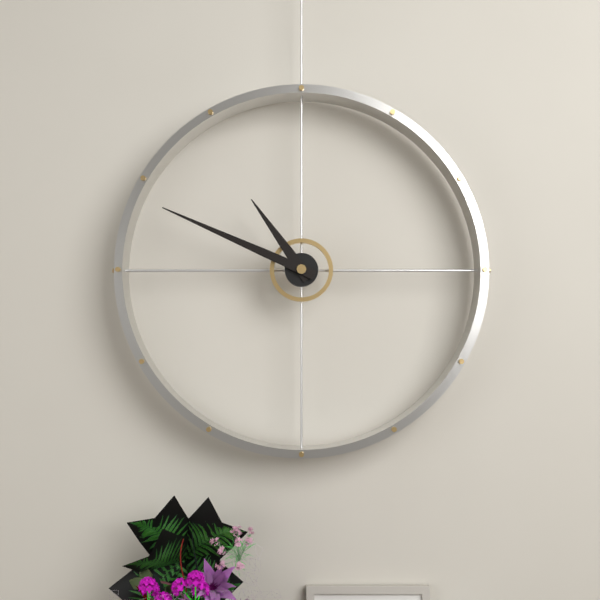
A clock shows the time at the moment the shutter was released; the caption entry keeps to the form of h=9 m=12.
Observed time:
h=10 m=49
